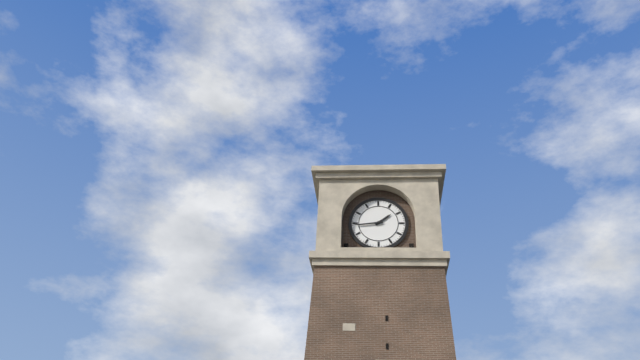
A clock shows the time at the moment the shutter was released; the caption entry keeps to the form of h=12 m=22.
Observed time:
h=1 m=44
